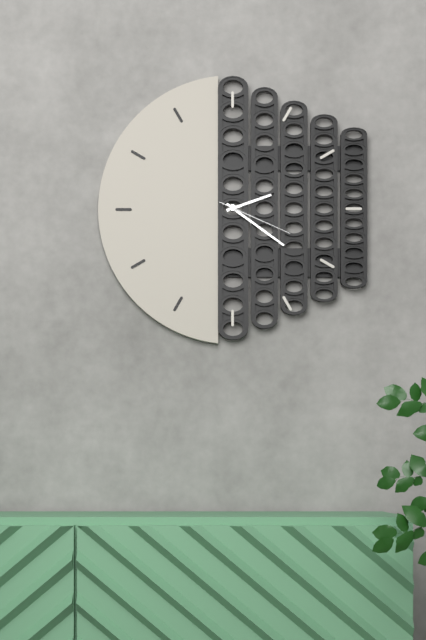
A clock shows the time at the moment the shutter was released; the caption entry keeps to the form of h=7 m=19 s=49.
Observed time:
h=2 m=21 s=19
